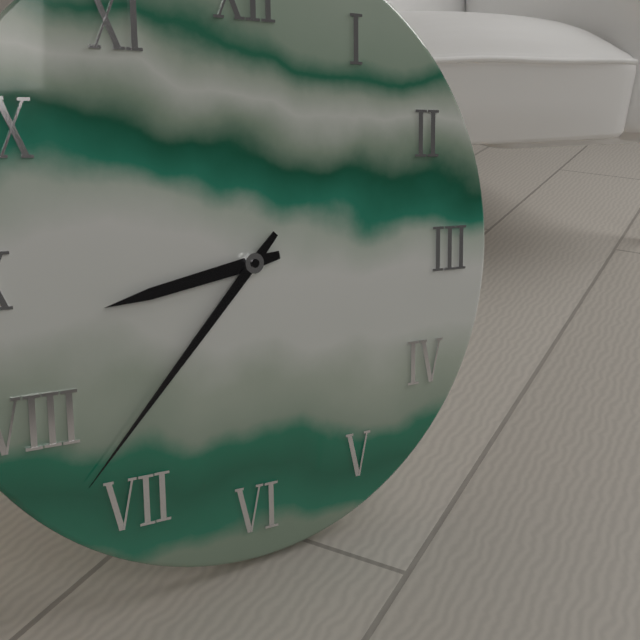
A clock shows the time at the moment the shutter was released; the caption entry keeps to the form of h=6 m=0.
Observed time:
h=8 m=37
